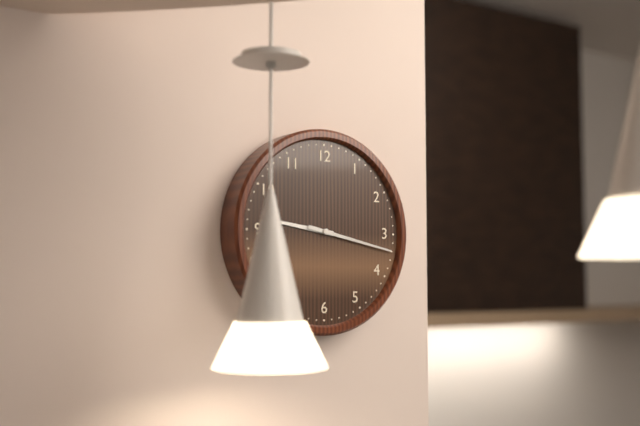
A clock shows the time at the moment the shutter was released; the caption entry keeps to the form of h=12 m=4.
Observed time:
h=9 m=17
